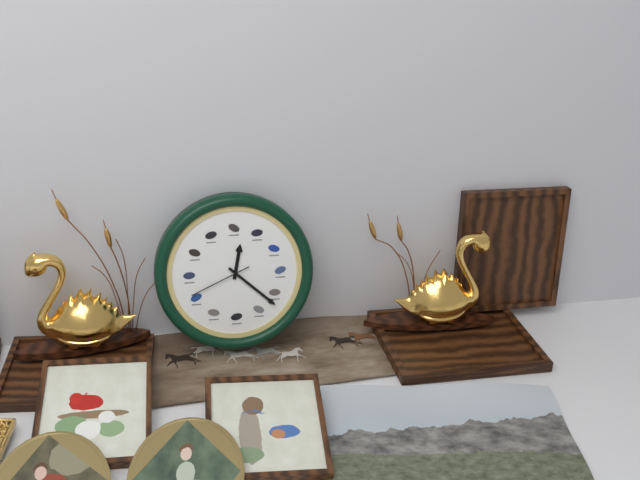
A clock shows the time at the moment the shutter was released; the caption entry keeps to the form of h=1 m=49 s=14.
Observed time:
h=12 m=22 s=41
